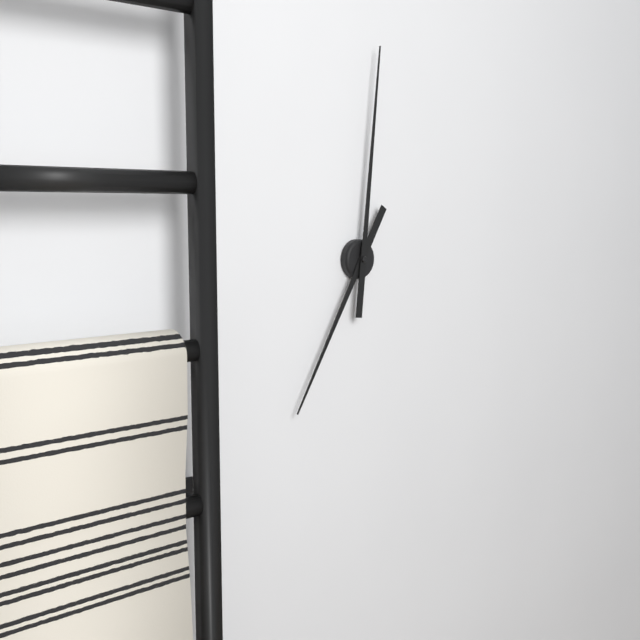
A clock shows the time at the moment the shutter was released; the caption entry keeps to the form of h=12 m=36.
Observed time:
h=7 m=1
